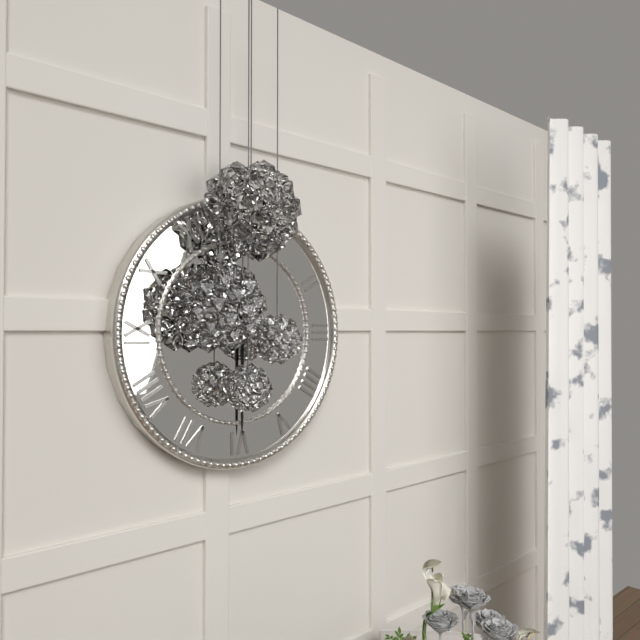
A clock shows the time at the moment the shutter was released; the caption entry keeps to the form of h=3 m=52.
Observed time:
h=10 m=30
